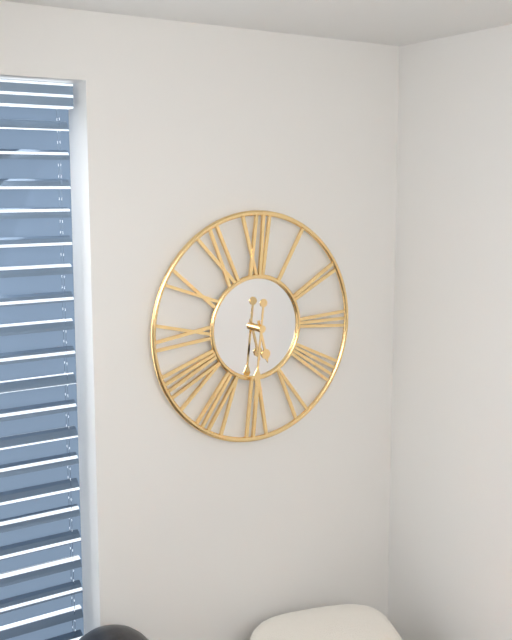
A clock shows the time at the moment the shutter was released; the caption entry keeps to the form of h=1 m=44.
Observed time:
h=5 m=31
